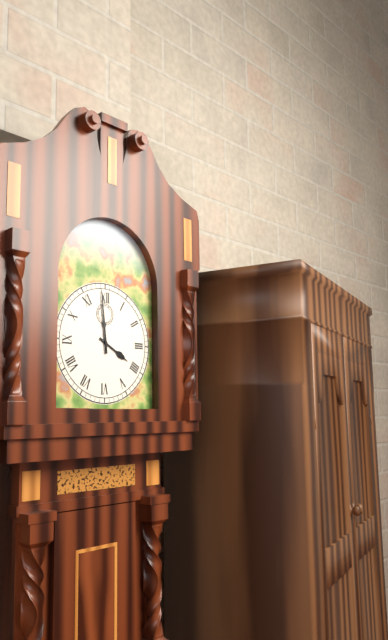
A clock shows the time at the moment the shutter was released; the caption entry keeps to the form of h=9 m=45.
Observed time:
h=3 m=59
